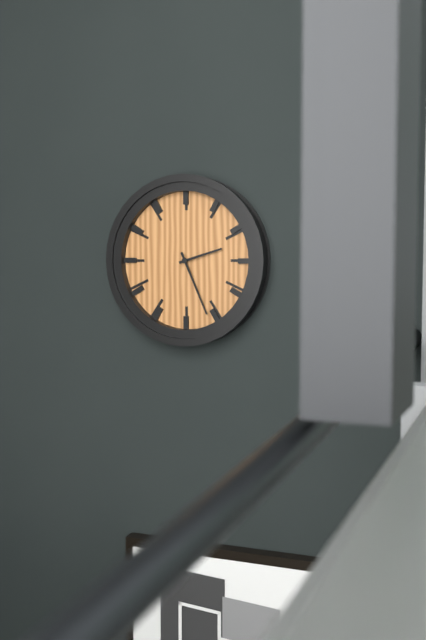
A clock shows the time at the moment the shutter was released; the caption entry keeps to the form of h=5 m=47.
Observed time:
h=2 m=26
